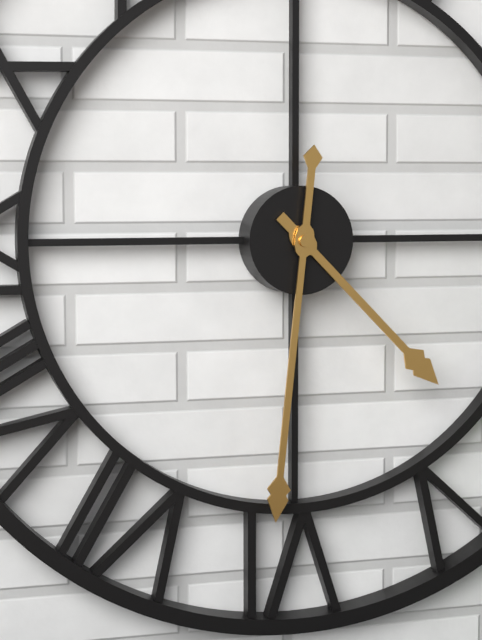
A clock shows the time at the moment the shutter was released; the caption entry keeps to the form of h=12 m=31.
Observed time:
h=4 m=31
